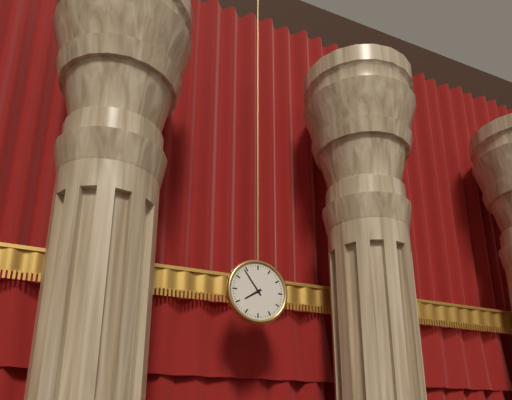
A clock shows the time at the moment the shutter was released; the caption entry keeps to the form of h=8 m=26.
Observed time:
h=7 m=54
